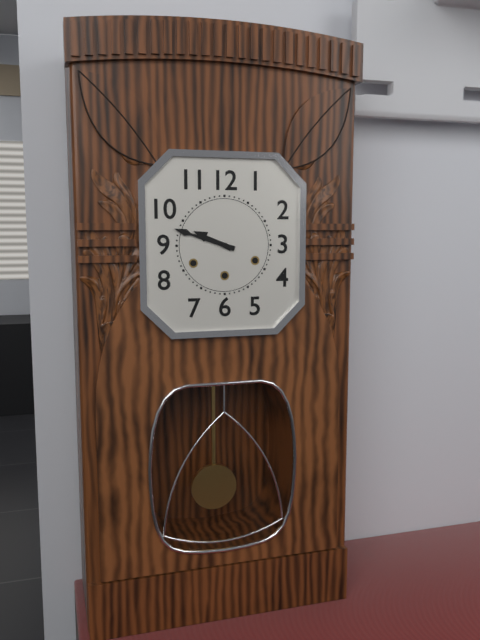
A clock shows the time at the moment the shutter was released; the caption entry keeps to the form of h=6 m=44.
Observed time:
h=9 m=48
